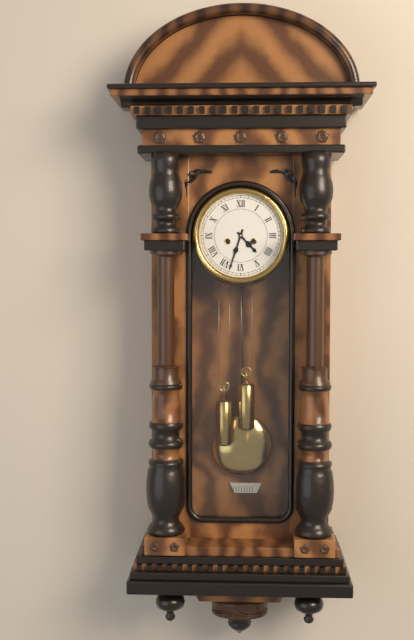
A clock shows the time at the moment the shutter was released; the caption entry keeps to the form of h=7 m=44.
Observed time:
h=4 m=33
